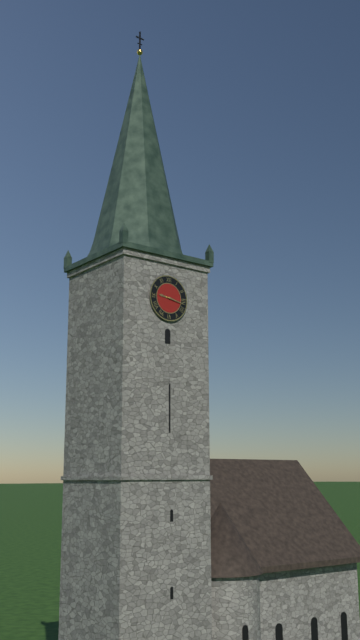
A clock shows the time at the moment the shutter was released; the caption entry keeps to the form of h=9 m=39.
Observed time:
h=9 m=17
